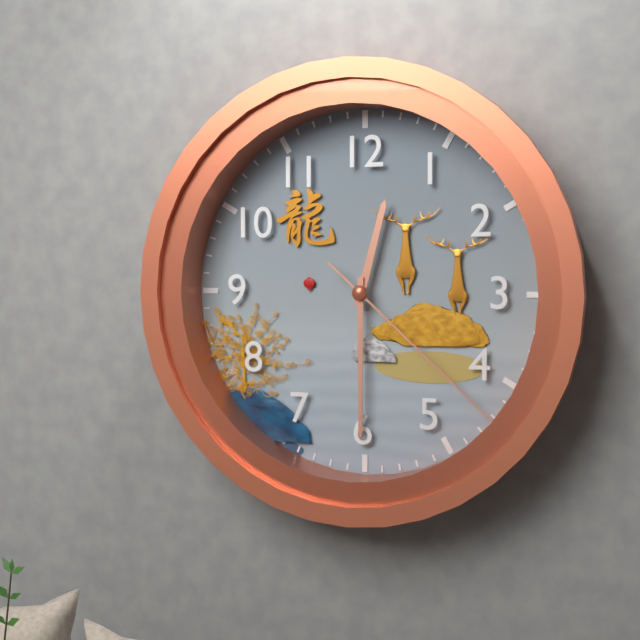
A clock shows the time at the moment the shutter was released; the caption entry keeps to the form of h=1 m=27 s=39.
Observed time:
h=12 m=30 s=22
